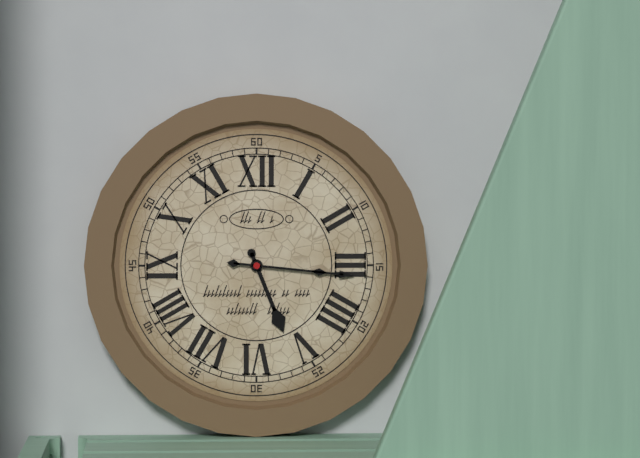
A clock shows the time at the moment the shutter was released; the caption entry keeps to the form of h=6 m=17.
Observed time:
h=5 m=16
